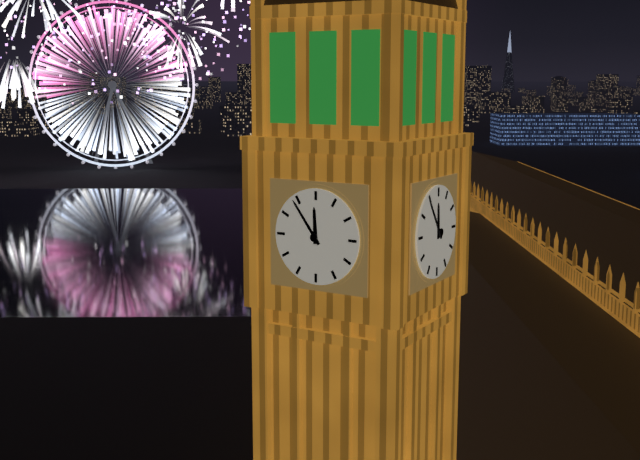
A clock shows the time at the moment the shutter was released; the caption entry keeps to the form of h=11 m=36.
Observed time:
h=11 m=54
